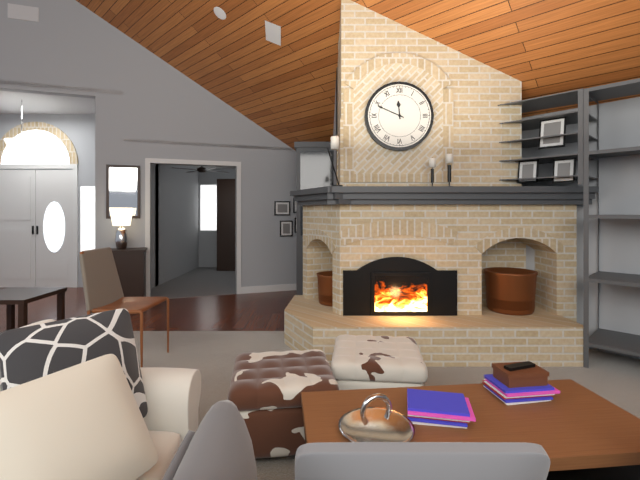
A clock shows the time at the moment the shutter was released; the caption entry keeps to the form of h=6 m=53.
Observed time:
h=11 m=49
